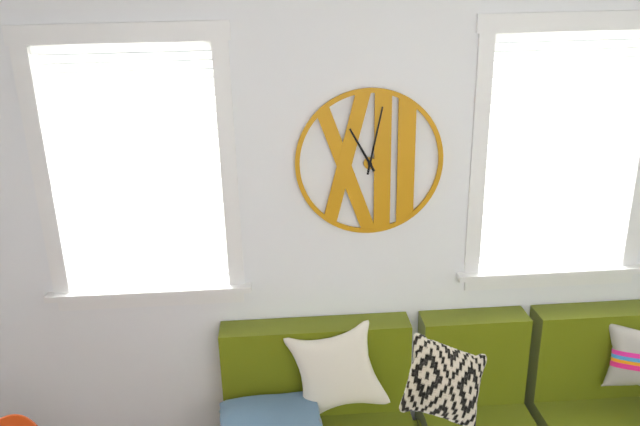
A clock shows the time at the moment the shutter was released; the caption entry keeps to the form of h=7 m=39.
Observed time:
h=11 m=2
